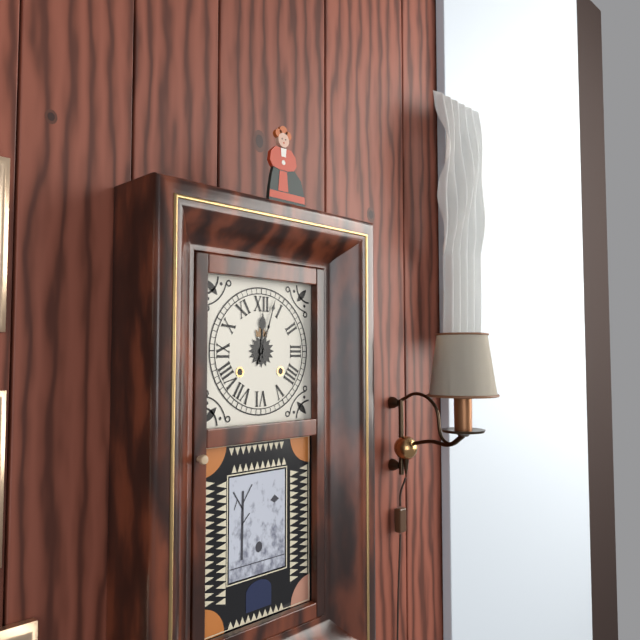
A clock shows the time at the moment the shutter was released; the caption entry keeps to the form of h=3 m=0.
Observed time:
h=12 m=3
